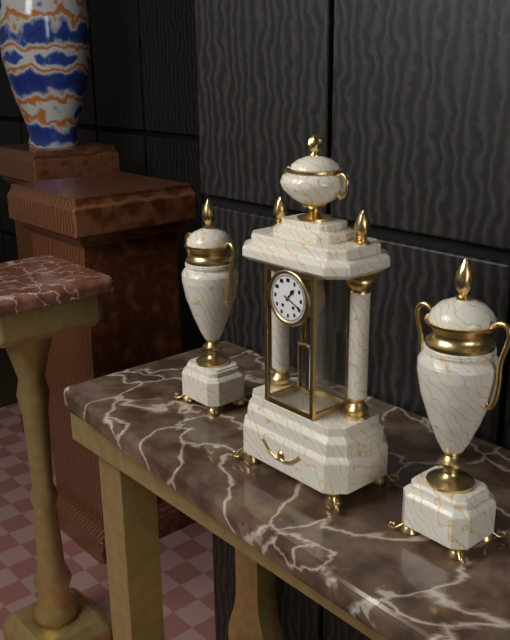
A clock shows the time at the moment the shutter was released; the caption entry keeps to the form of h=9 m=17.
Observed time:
h=1 m=19
